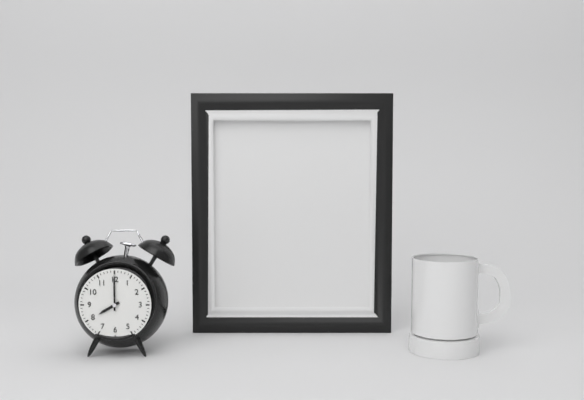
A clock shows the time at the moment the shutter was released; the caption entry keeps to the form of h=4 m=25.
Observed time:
h=8 m=0
